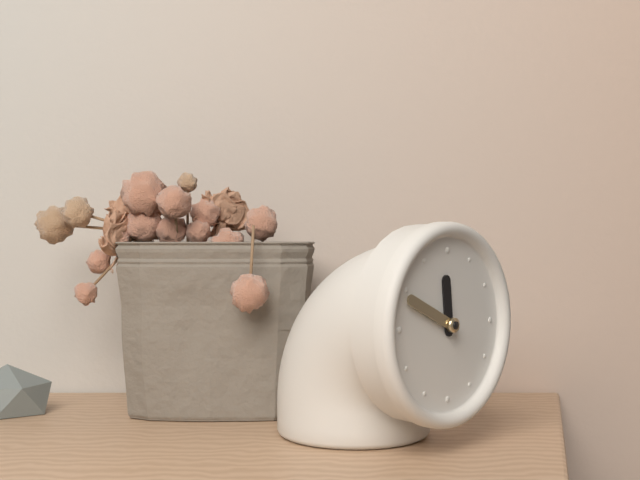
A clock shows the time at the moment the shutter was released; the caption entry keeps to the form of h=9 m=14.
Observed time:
h=11 m=49
